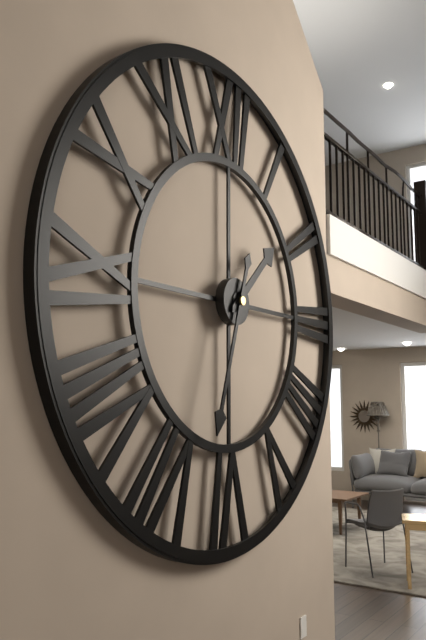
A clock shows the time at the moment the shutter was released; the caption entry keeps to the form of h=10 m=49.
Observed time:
h=1 m=33
